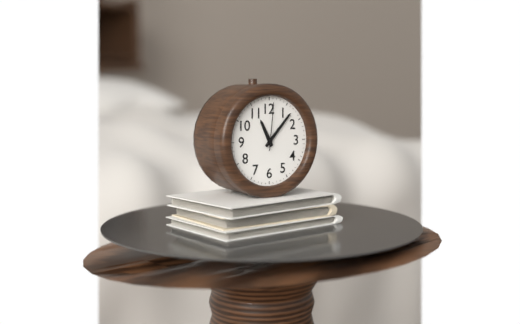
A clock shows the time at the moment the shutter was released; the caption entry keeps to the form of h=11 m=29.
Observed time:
h=11 m=7
